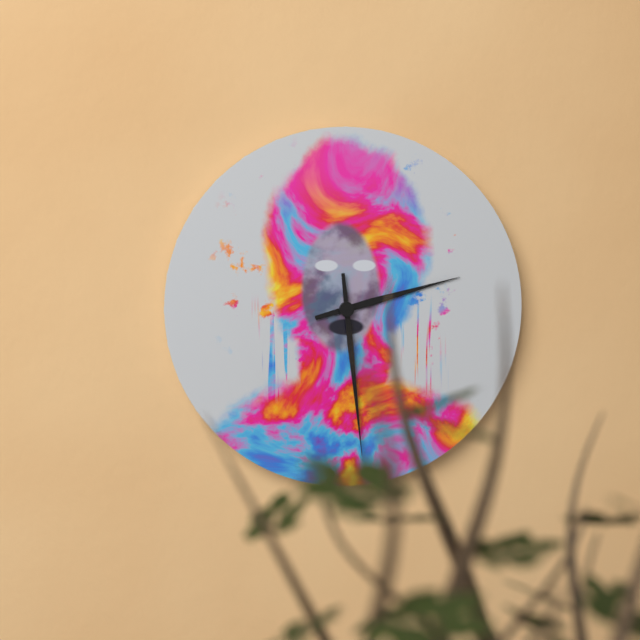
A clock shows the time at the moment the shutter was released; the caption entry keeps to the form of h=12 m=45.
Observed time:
h=2 m=29
